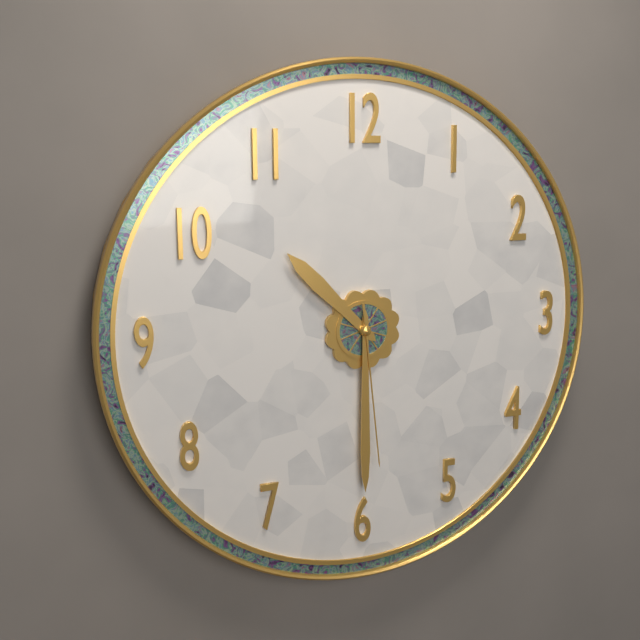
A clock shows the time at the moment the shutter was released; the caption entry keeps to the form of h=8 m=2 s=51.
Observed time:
h=10 m=30 s=29
